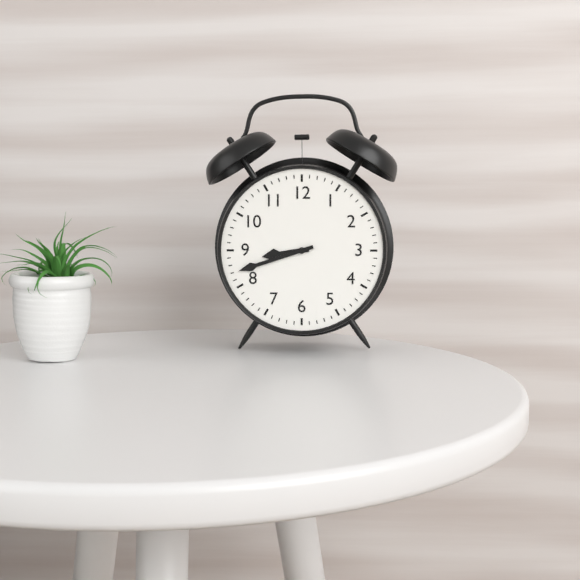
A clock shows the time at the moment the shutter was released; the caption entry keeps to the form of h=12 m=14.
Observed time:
h=8 m=42
